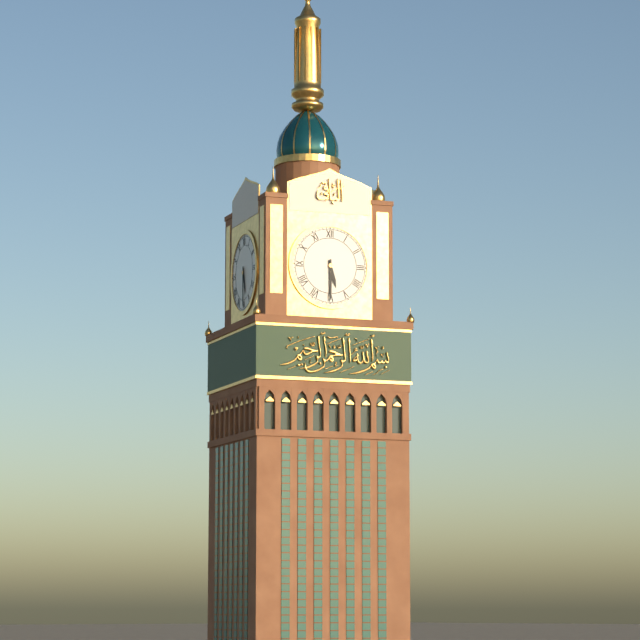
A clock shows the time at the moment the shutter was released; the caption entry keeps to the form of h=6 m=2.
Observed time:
h=5 m=30
